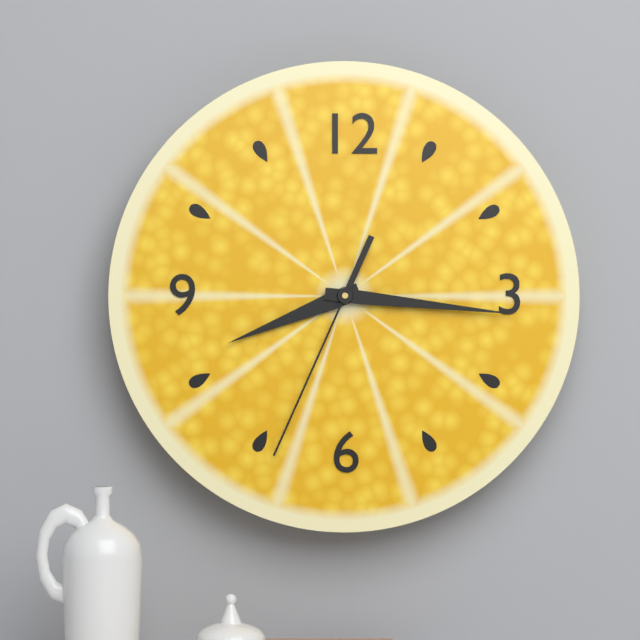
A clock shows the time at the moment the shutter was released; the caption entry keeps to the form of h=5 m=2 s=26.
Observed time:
h=8 m=16 s=34
